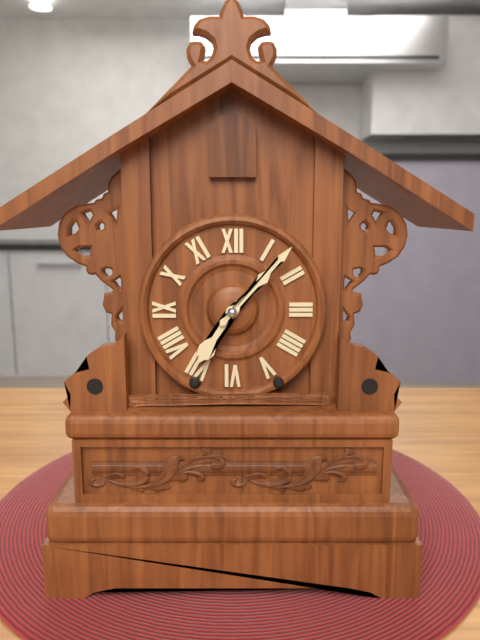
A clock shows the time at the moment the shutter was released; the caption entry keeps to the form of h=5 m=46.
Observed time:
h=7 m=7
